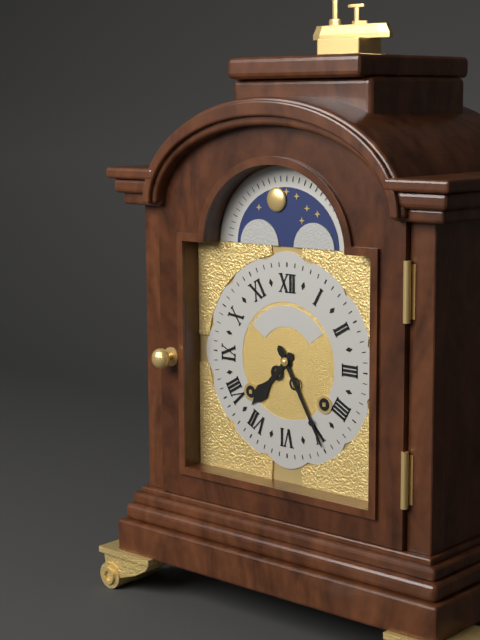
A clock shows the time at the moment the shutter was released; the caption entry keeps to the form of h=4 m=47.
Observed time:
h=7 m=25
